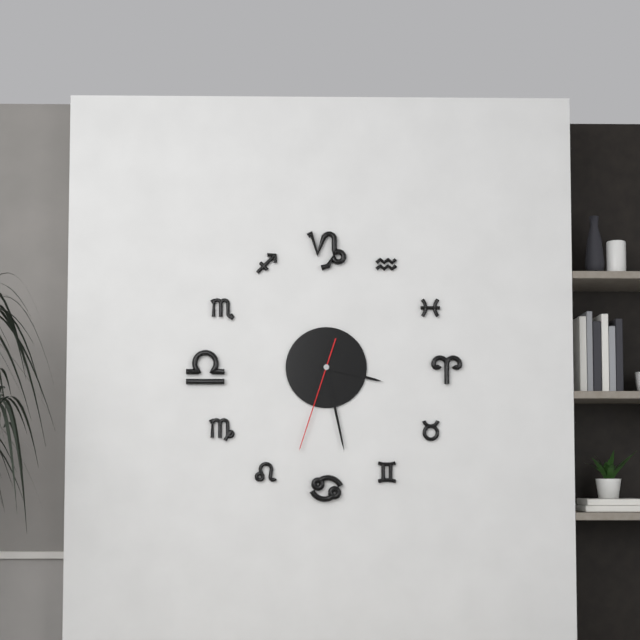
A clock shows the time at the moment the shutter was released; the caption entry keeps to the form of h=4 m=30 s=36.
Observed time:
h=3 m=28 s=33
